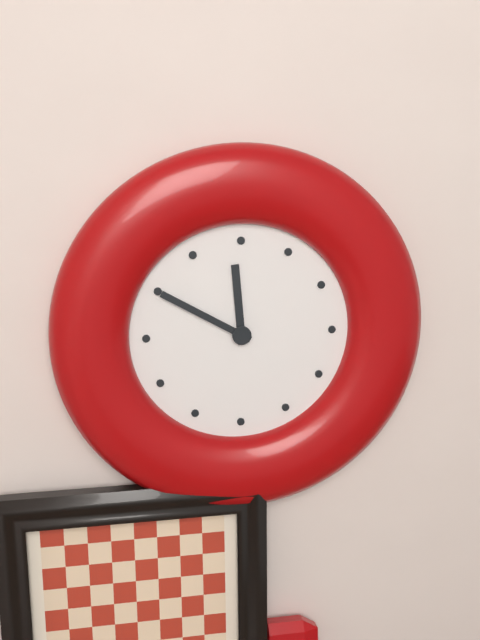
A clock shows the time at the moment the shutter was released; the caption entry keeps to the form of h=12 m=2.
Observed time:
h=11 m=50
